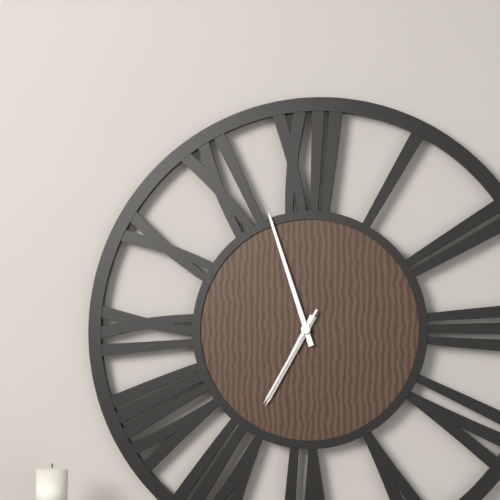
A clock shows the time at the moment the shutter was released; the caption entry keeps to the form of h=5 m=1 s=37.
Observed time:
h=6 m=57 s=35
